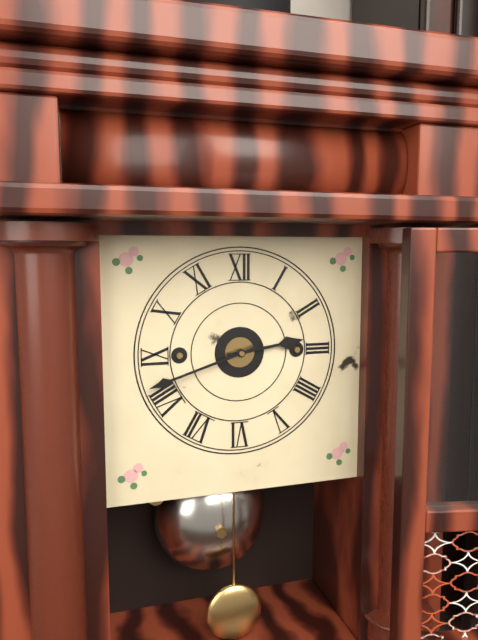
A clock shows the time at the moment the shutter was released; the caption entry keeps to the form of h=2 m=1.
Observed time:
h=2 m=42
